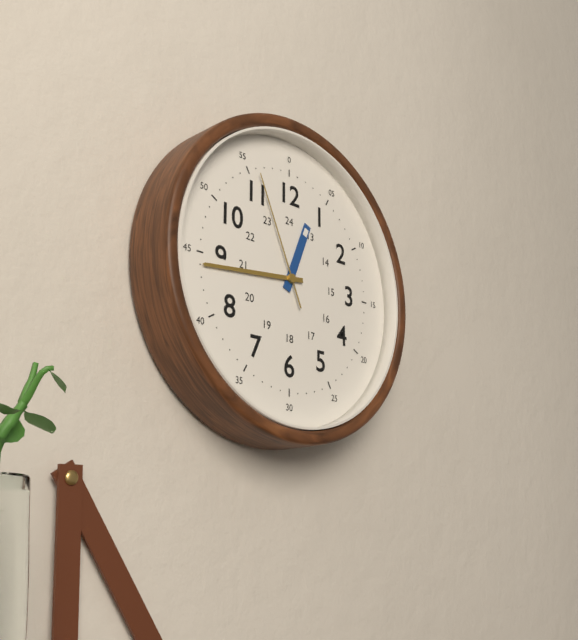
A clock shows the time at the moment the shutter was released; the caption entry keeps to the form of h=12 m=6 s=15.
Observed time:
h=12 m=44 s=56
